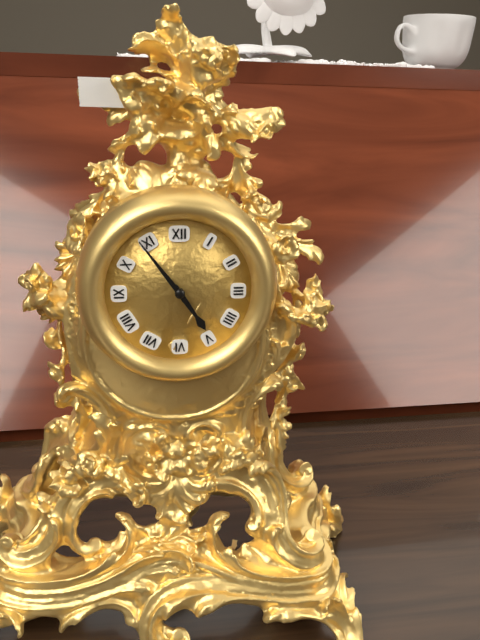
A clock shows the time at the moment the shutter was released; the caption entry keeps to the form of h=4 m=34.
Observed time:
h=4 m=54
